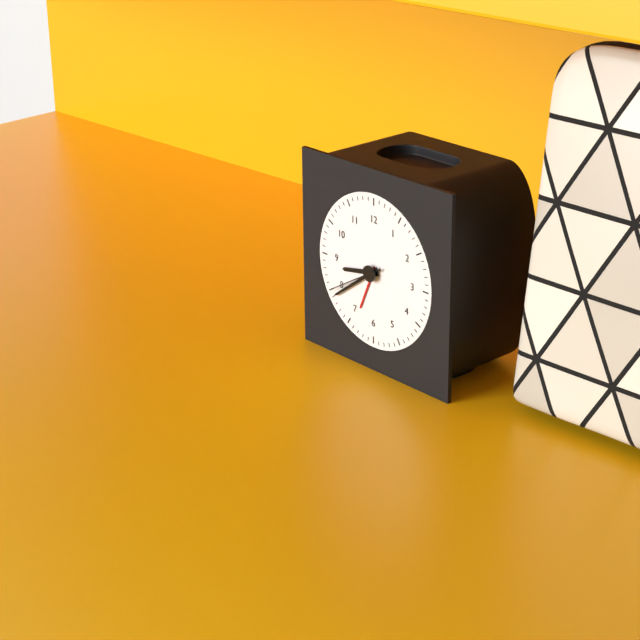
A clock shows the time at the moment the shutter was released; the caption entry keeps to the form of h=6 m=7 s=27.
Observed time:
h=8 m=39 s=40
